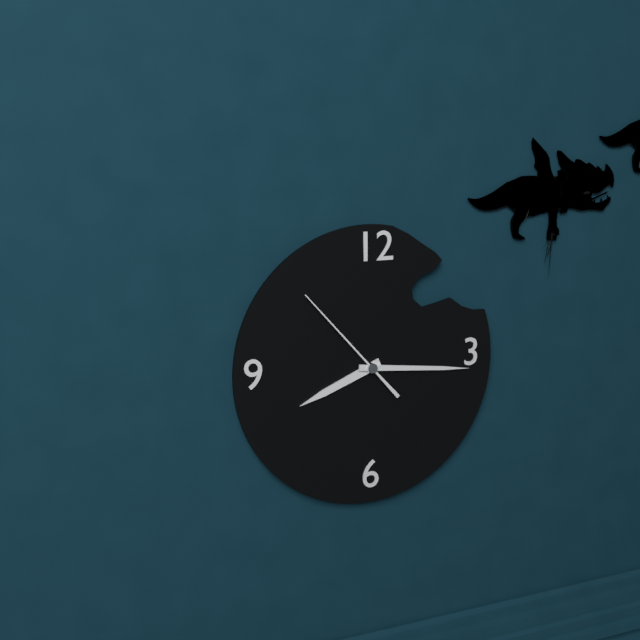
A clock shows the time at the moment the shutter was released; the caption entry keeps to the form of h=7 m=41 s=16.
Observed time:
h=8 m=16 s=53
